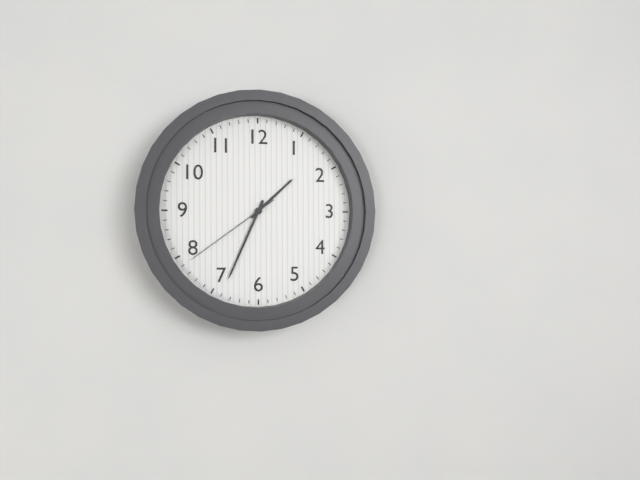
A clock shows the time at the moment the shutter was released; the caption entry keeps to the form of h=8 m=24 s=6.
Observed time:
h=1 m=34 s=39
